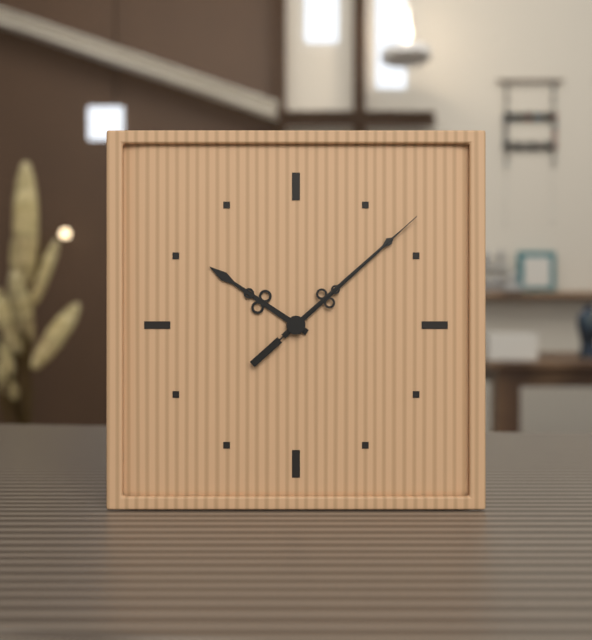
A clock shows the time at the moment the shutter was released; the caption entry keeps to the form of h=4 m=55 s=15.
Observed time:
h=10 m=8 s=8
